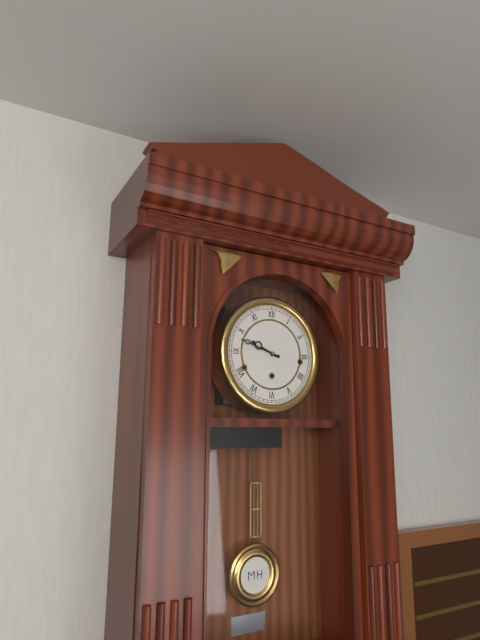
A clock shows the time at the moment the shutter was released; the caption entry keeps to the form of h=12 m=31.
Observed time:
h=9 m=48
